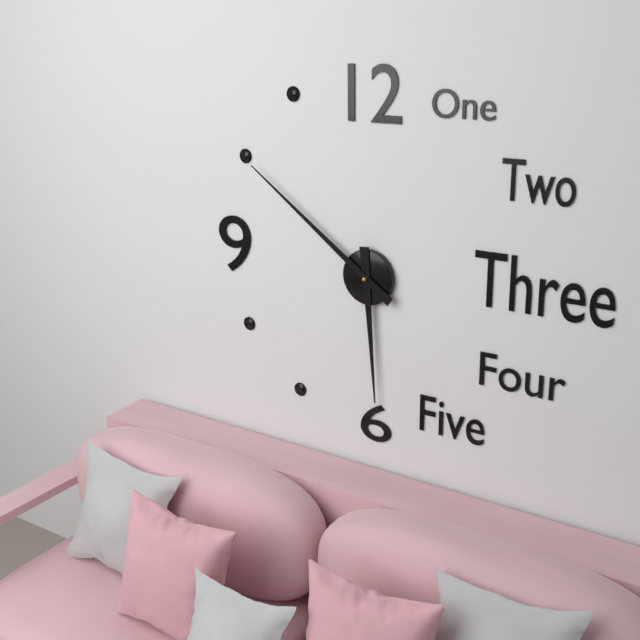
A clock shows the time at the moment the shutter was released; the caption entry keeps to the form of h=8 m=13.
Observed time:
h=5 m=51
